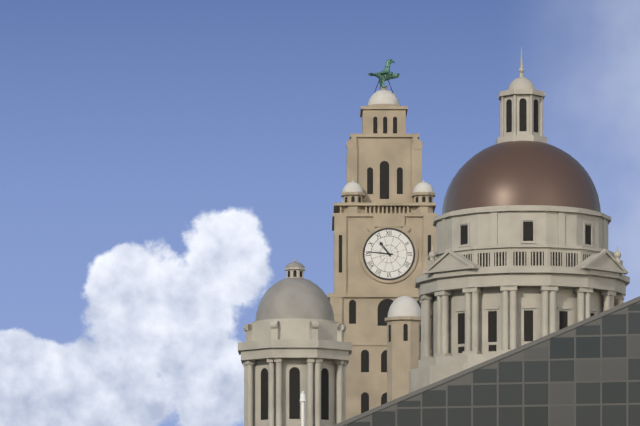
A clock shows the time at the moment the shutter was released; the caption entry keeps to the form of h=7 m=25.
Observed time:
h=10 m=46
